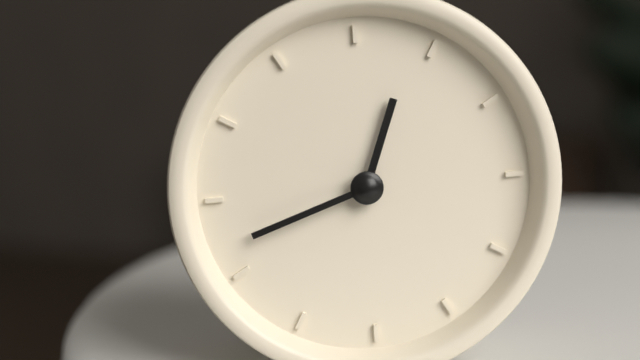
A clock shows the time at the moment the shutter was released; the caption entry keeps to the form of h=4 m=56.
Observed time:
h=12 m=42
